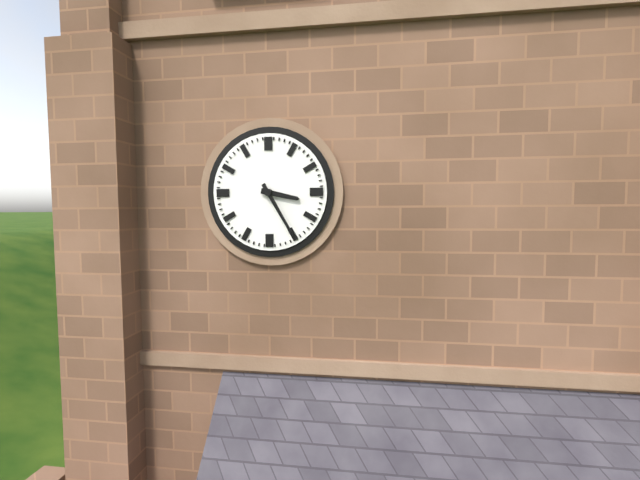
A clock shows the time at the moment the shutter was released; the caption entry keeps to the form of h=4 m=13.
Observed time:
h=3 m=25
